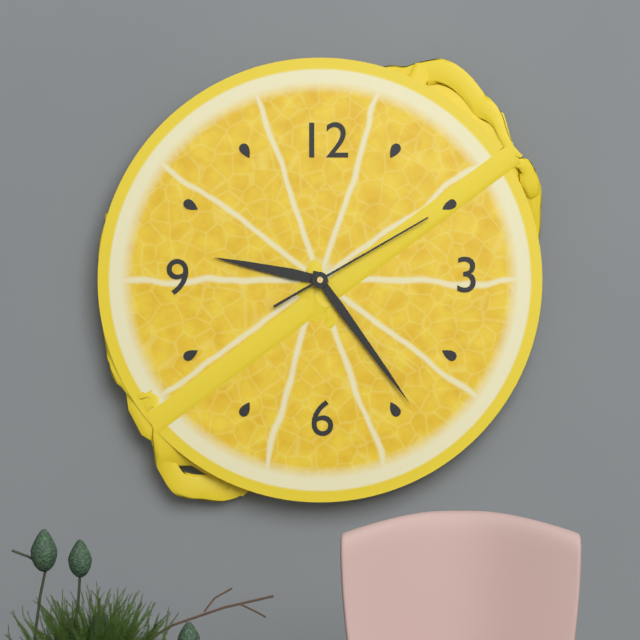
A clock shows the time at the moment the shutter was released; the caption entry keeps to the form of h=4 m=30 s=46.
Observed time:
h=9 m=24 s=10
